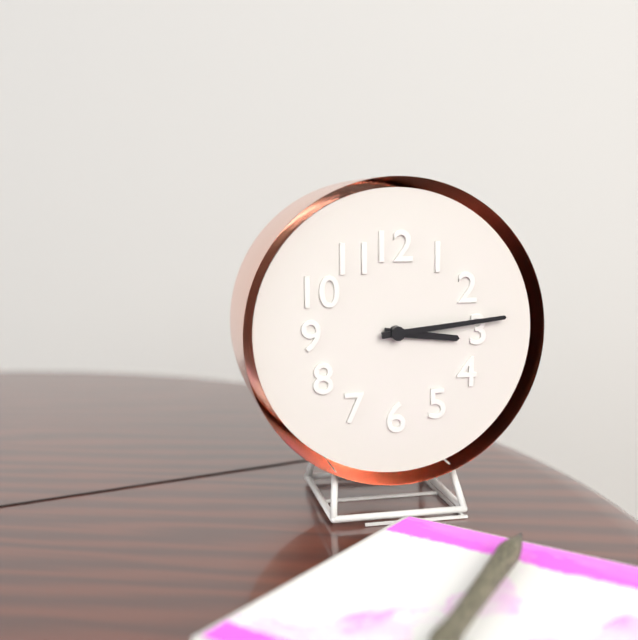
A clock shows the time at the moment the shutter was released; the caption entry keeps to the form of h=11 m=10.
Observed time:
h=3 m=14
